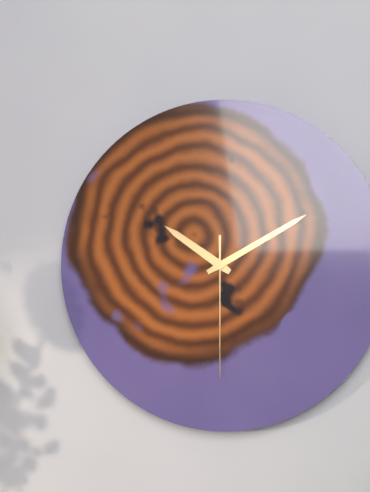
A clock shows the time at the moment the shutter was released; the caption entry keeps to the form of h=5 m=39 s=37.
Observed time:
h=10 m=10 s=30
